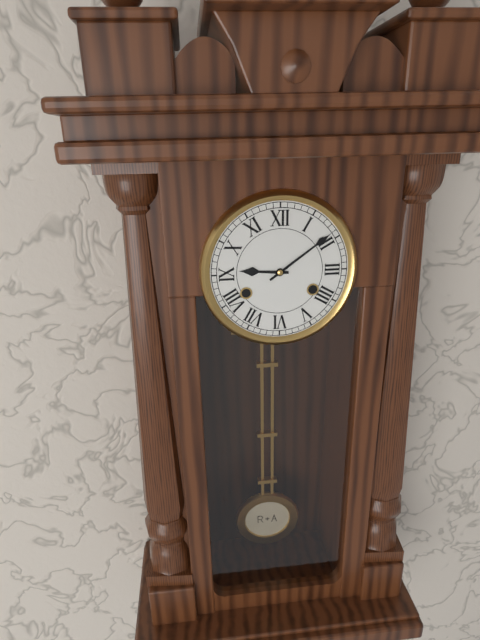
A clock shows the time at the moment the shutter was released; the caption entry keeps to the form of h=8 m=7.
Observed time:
h=9 m=9
